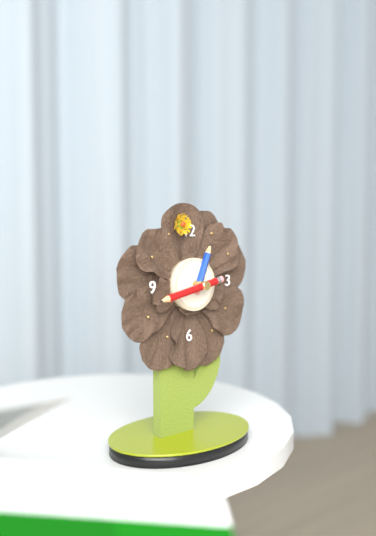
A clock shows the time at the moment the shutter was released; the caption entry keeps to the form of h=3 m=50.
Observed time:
h=12 m=43
